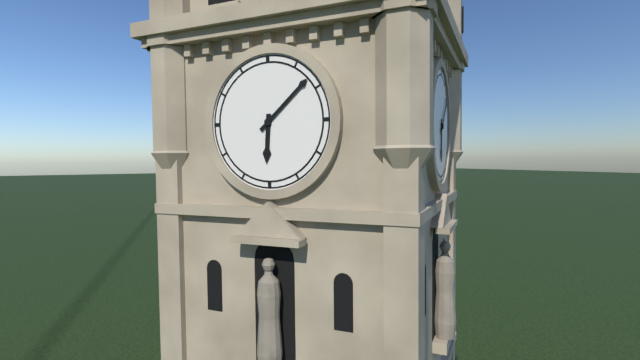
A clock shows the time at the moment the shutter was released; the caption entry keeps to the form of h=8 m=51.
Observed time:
h=6 m=8
